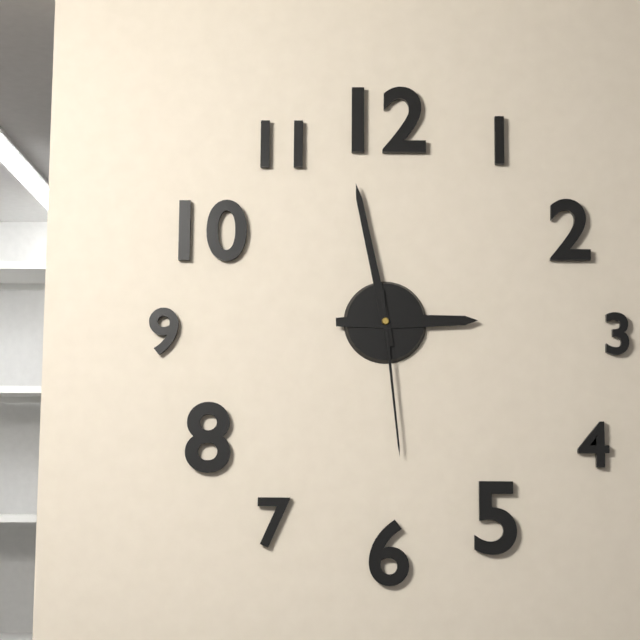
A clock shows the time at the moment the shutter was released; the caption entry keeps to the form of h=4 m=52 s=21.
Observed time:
h=2 m=58 s=29
